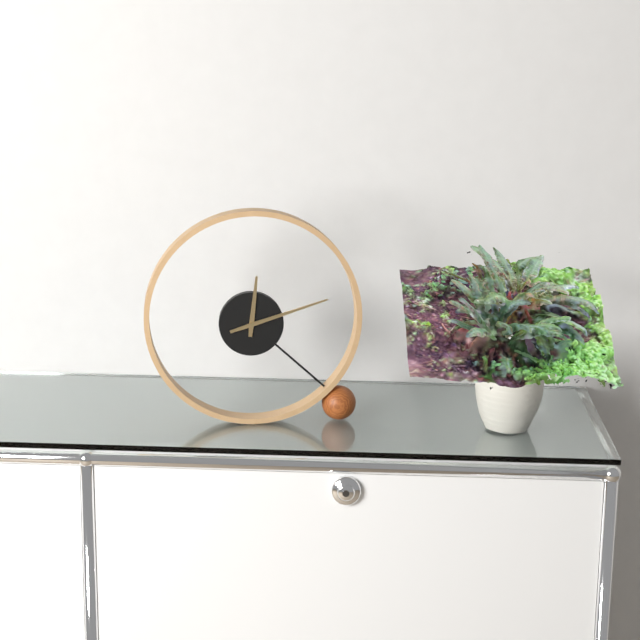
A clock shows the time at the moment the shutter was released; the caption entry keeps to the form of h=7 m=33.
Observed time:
h=12 m=12
